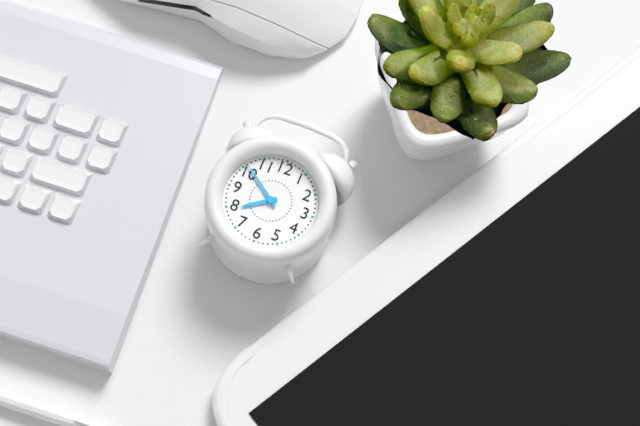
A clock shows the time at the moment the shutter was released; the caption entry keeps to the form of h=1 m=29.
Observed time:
h=7 m=51
